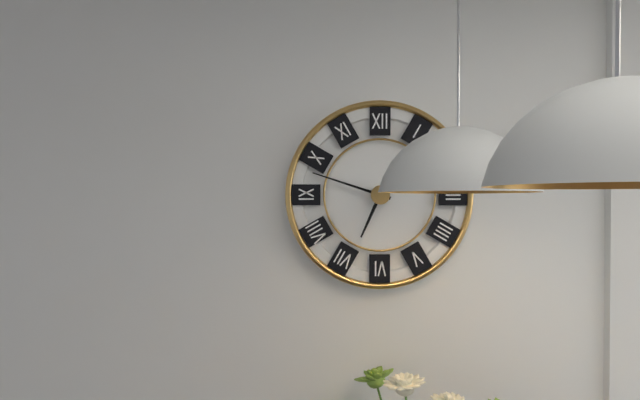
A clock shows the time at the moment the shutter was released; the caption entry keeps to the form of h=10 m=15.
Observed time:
h=6 m=48
